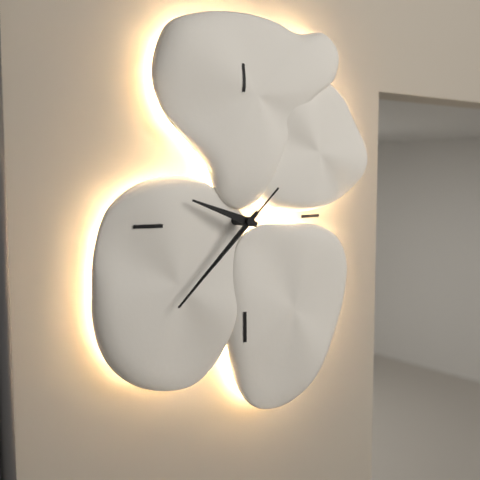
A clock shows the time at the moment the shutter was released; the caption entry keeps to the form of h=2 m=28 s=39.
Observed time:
h=9 m=38 s=38
